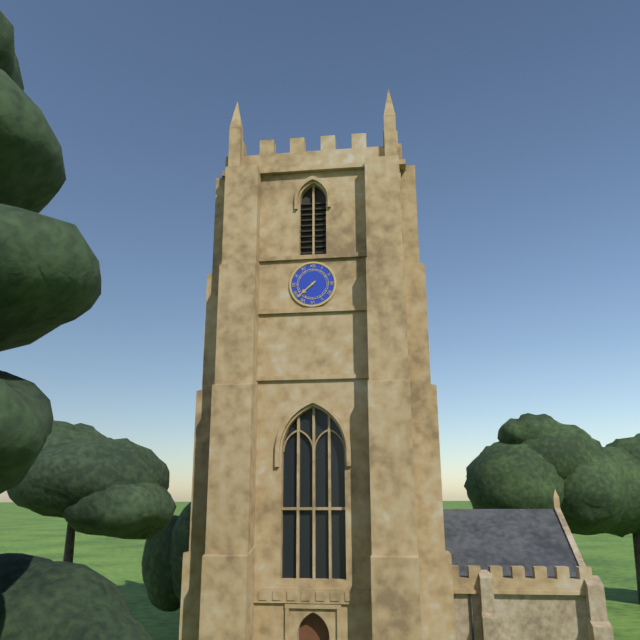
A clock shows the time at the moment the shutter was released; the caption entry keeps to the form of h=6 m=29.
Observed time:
h=7 m=38
